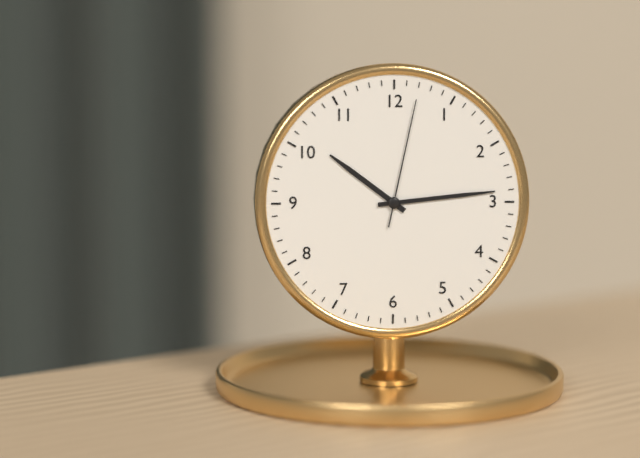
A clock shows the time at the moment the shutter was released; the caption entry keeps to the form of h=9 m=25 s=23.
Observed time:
h=10 m=14 s=2
